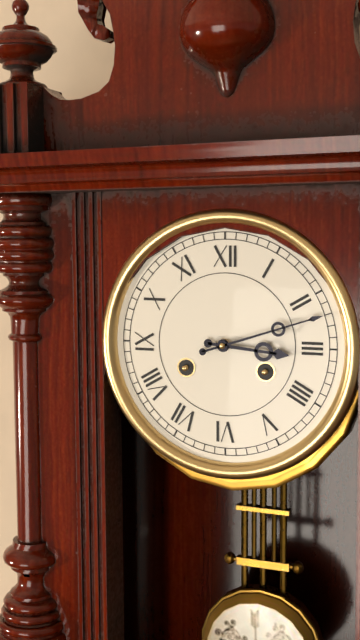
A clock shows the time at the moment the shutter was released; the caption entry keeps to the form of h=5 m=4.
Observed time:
h=3 m=12
